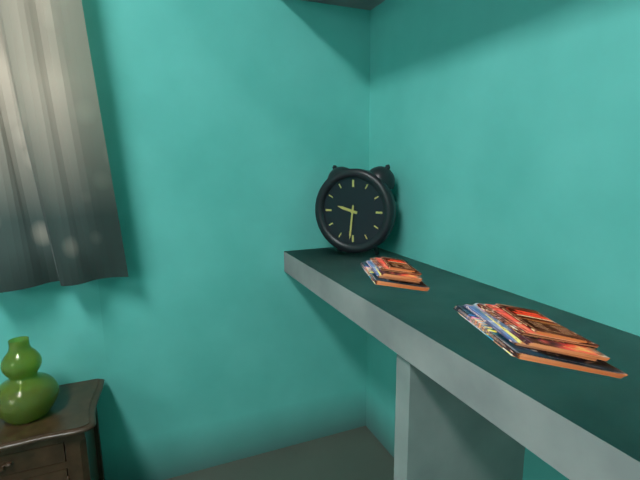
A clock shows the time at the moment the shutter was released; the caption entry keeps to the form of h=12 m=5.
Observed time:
h=9 m=31
